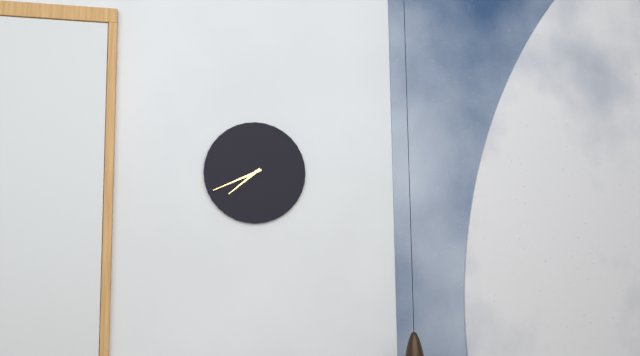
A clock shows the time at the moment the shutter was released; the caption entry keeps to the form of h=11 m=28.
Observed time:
h=7 m=41
